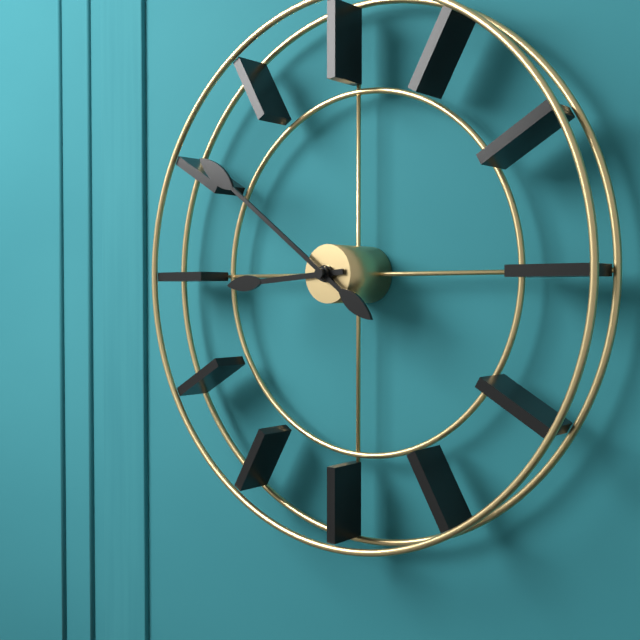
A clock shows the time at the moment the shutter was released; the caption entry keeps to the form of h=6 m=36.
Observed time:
h=8 m=51
